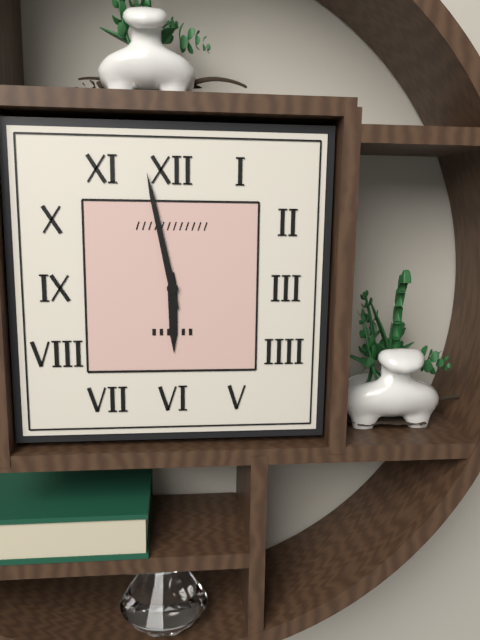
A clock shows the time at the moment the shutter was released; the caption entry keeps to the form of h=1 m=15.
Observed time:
h=5 m=58
